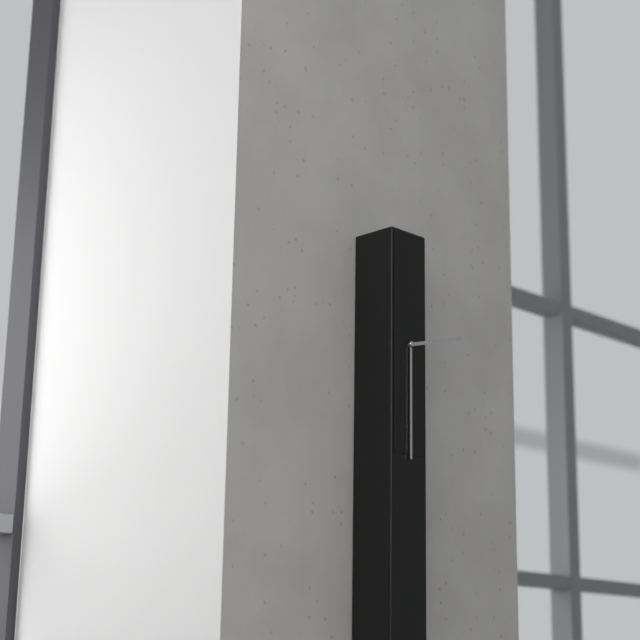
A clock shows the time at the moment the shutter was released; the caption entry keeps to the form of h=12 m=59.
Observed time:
h=2 m=30
